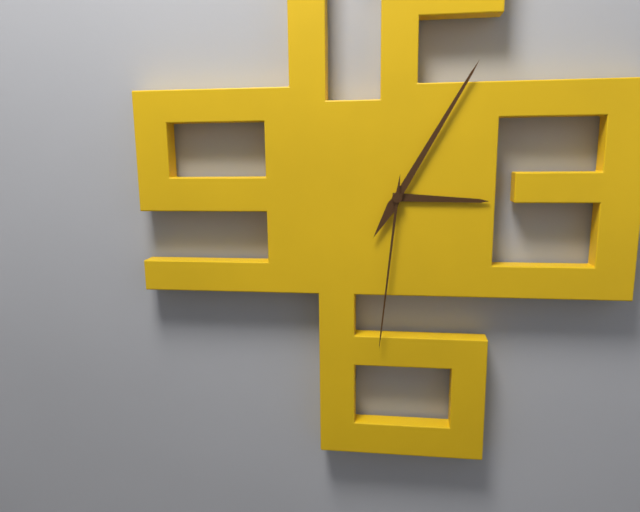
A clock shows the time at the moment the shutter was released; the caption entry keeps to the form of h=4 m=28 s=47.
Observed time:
h=3 m=5 s=31
